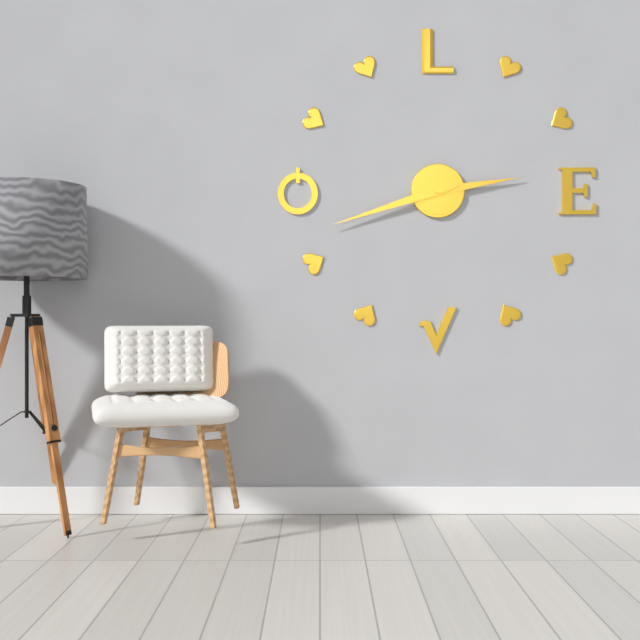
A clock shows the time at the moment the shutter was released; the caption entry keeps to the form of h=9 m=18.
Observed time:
h=2 m=42
